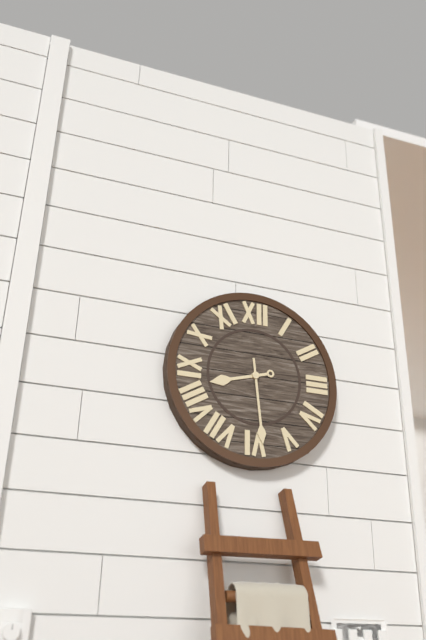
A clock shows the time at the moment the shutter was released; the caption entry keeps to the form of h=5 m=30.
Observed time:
h=8 m=29
